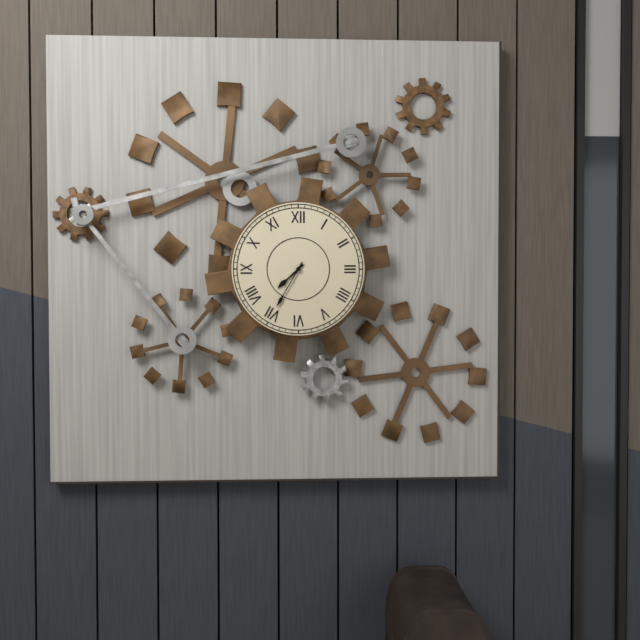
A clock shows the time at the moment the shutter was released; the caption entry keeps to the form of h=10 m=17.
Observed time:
h=7 m=35
